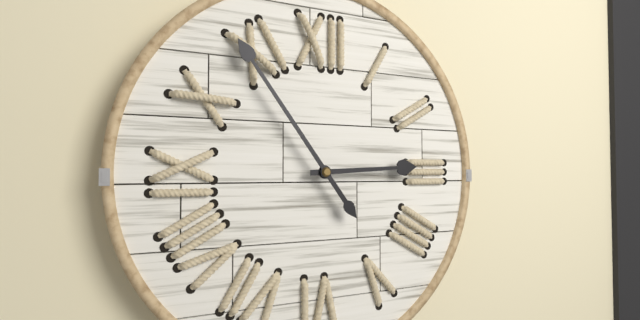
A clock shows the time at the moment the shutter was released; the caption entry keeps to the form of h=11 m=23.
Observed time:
h=2 m=54
